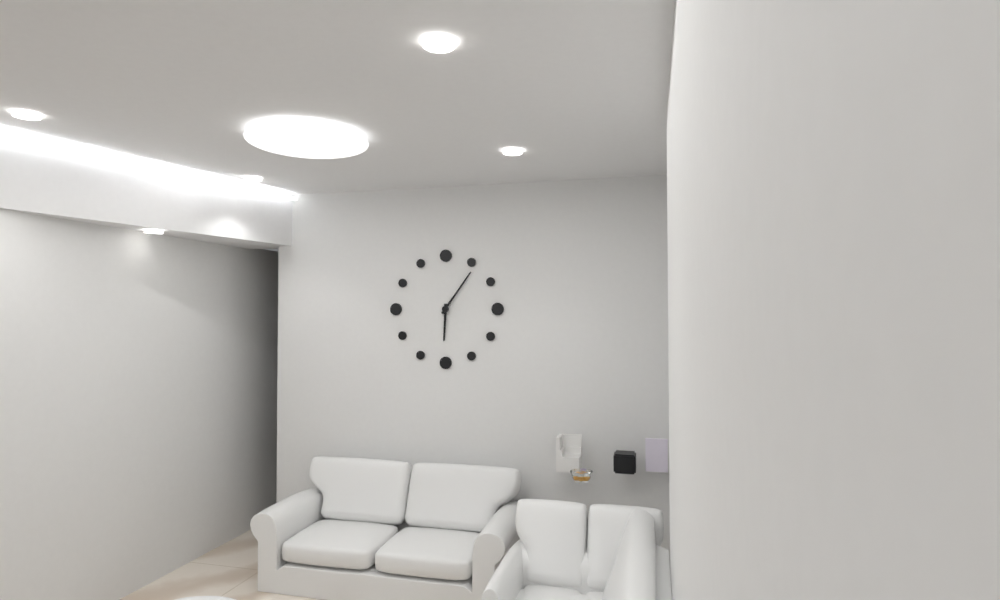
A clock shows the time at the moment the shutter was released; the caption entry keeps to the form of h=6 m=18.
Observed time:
h=6 m=6
